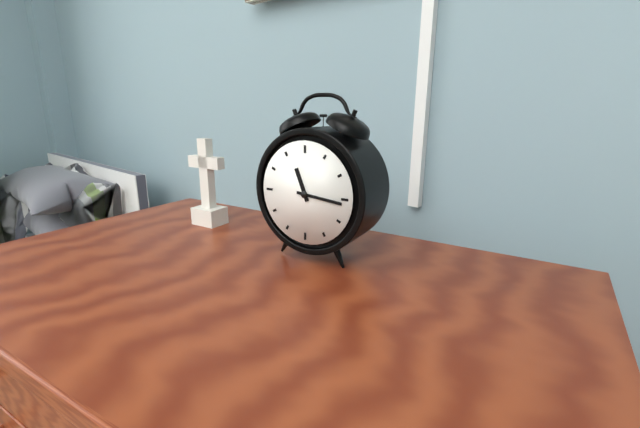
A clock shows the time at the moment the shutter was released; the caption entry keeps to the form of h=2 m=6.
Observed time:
h=11 m=16
